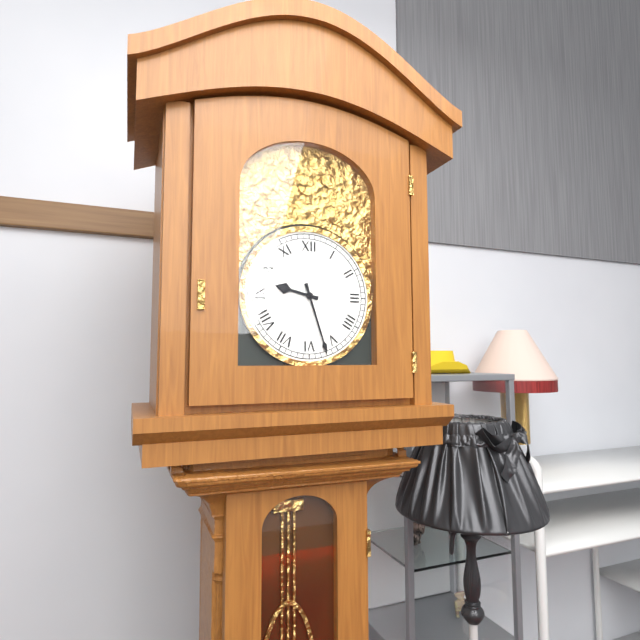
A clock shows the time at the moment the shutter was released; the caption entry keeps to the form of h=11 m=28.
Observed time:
h=9 m=27
